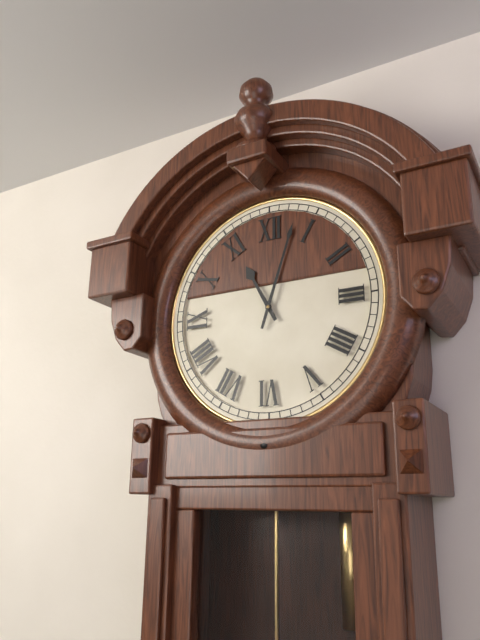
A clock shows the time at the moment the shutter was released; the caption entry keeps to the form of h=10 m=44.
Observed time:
h=11 m=3
